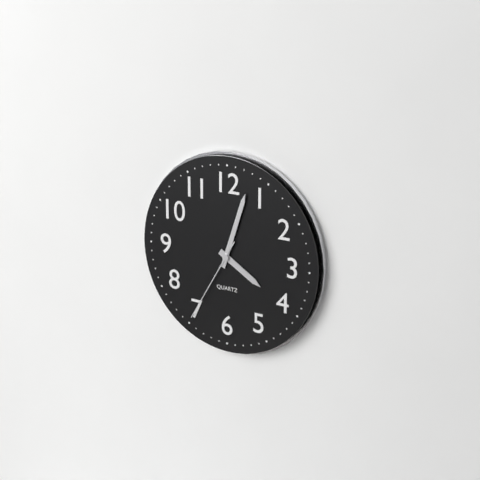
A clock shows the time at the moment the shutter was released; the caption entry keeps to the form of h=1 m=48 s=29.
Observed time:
h=4 m=3 s=35
